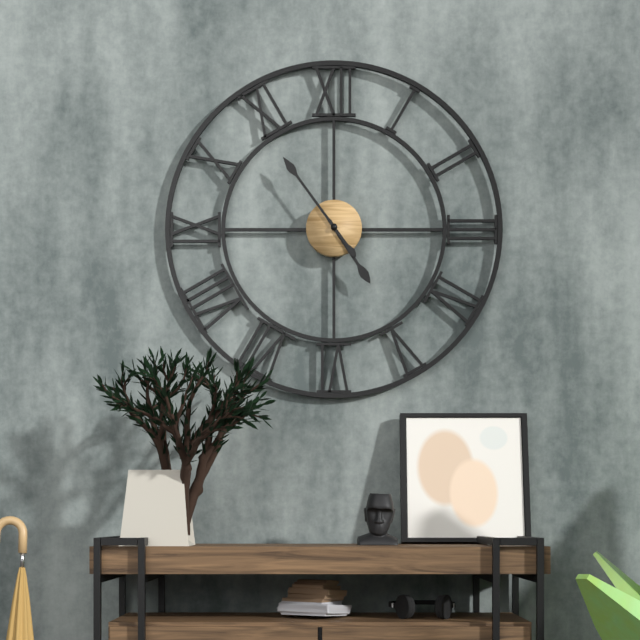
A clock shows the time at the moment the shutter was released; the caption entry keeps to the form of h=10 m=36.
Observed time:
h=4 m=54
